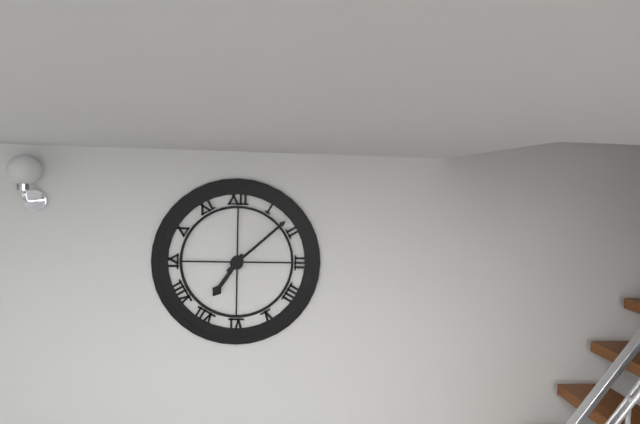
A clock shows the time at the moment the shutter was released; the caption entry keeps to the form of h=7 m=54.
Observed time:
h=7 m=8
